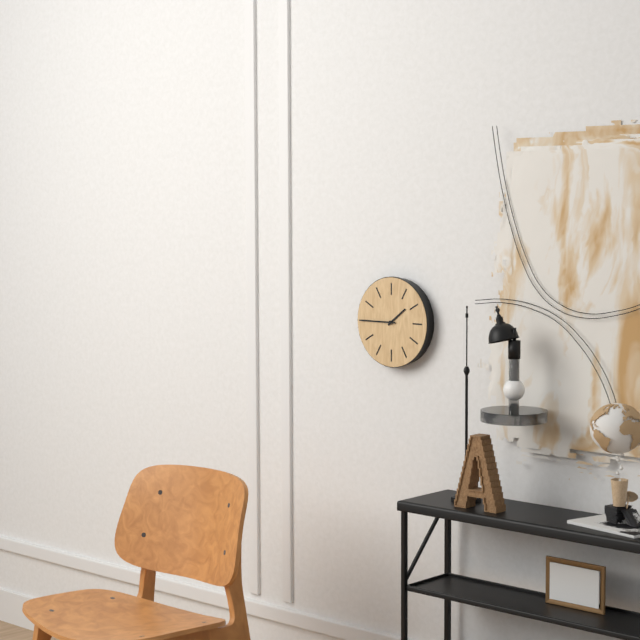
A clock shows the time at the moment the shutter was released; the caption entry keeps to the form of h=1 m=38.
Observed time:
h=1 m=45
